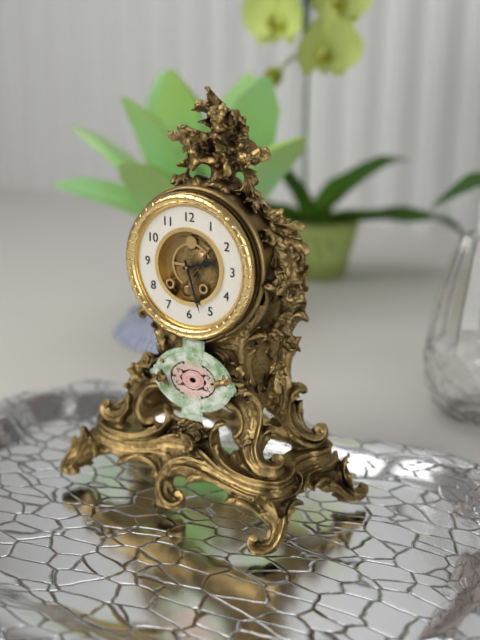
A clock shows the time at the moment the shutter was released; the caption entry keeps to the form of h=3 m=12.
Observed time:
h=2 m=27
